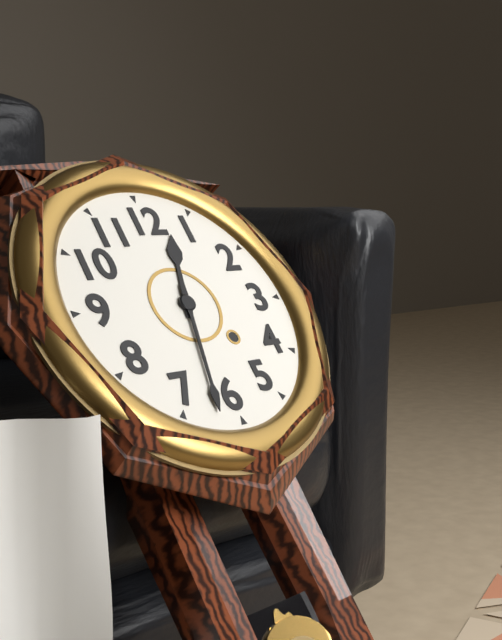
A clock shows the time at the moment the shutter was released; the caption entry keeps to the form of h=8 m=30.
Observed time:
h=12 m=32
